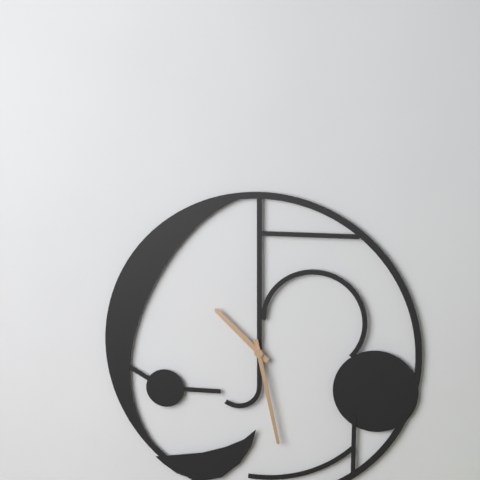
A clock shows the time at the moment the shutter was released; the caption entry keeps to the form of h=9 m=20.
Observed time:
h=10 m=28
